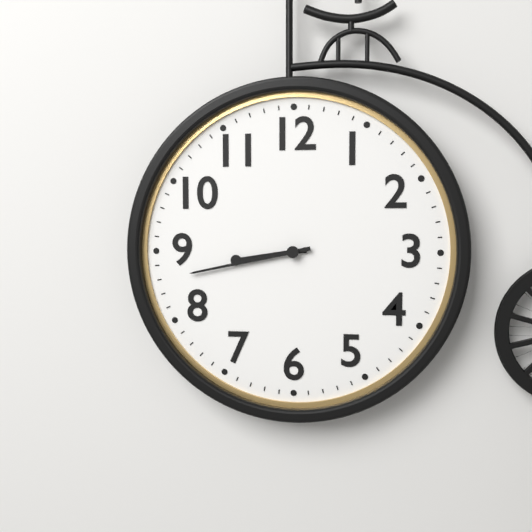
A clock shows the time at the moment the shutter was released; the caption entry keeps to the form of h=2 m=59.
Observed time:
h=8 m=43
